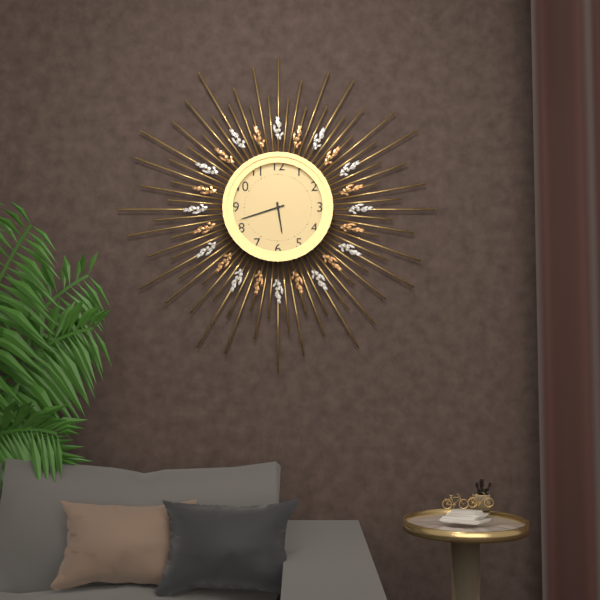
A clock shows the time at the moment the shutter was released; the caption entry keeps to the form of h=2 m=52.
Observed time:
h=5 m=42
